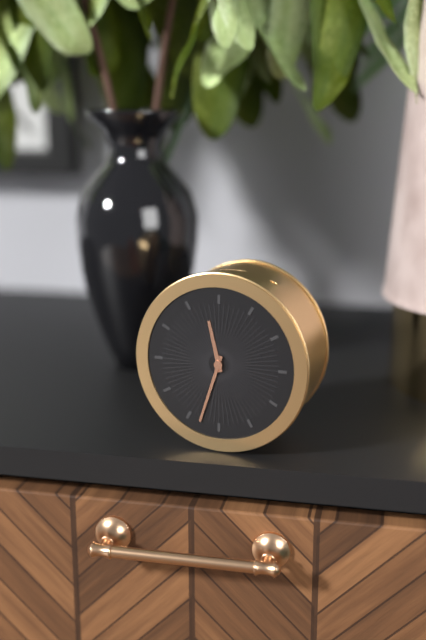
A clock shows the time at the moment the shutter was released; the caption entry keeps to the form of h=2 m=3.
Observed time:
h=11 m=33
